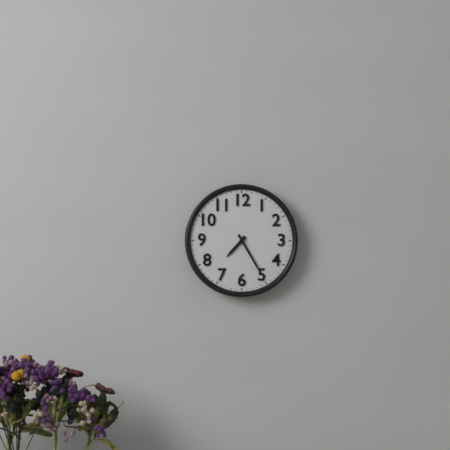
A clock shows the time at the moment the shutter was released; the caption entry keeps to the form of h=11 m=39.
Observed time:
h=7 m=25
